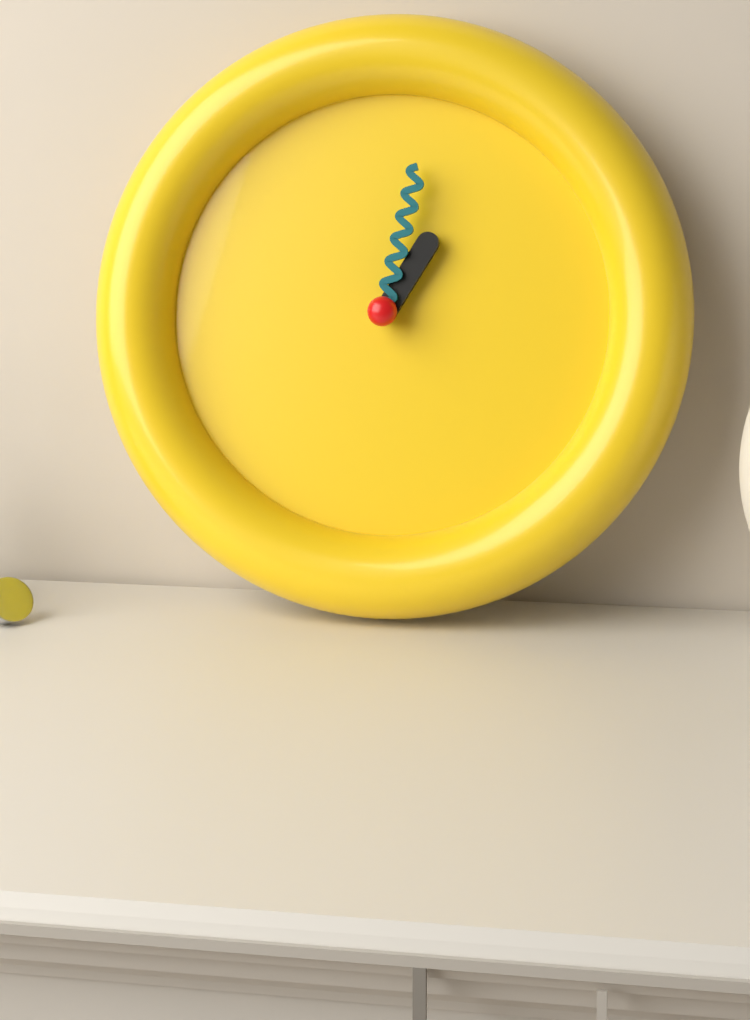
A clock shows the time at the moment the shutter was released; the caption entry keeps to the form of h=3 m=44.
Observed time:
h=1 m=2
